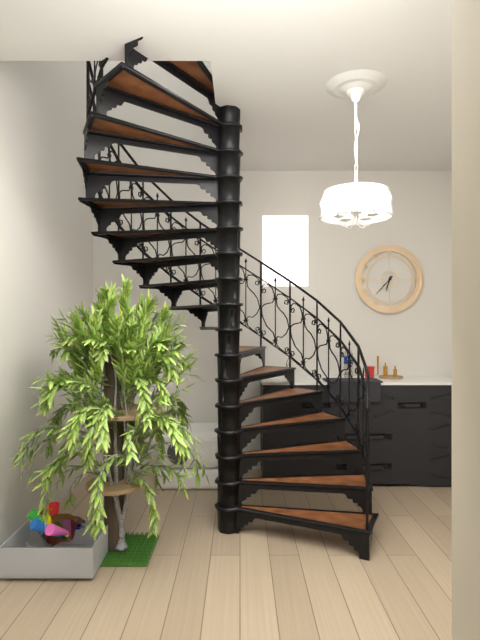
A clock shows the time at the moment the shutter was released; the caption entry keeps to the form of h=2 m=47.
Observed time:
h=6 m=37
